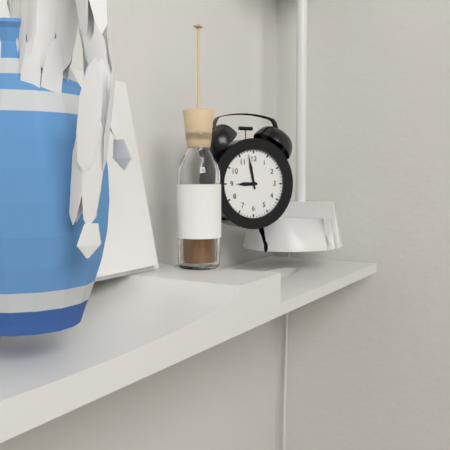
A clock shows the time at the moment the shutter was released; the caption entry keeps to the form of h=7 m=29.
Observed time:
h=8 m=58
